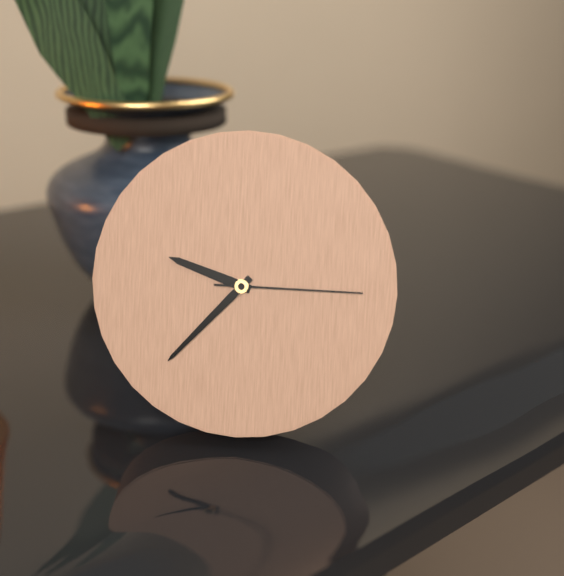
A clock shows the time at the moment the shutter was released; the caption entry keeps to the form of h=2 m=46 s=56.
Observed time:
h=9 m=37 s=15
